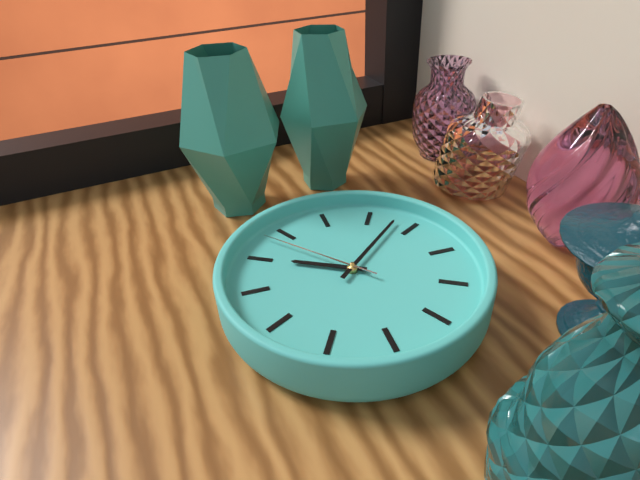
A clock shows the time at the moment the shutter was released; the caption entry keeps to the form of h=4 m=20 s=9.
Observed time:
h=7 m=58 s=43
